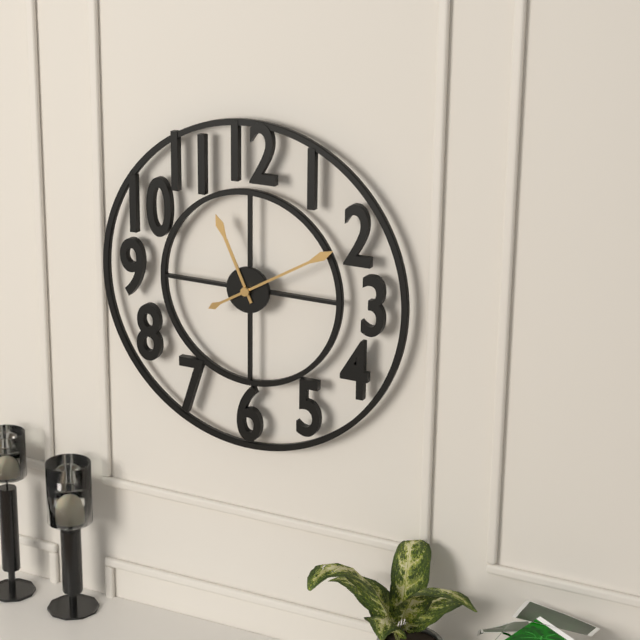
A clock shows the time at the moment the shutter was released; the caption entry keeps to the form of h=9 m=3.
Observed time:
h=11 m=10
